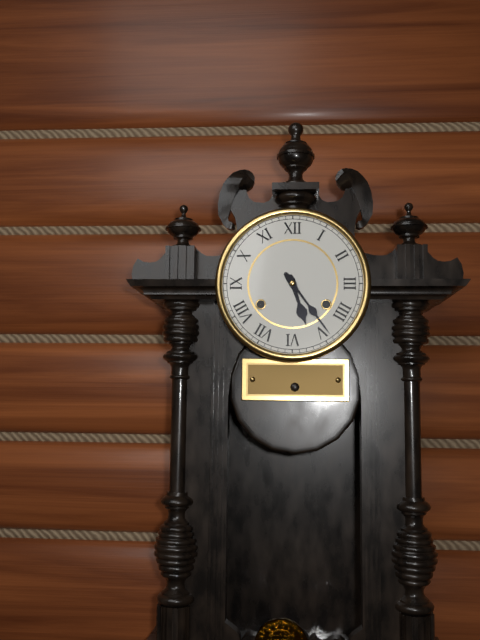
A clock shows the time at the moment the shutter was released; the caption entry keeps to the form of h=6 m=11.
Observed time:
h=5 m=24
